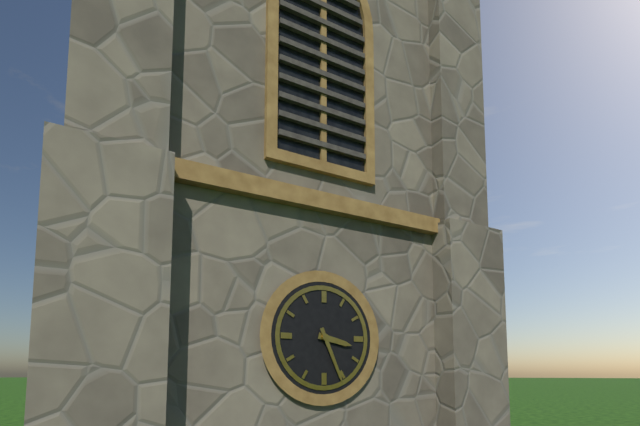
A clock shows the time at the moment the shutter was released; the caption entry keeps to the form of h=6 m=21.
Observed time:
h=3 m=26
